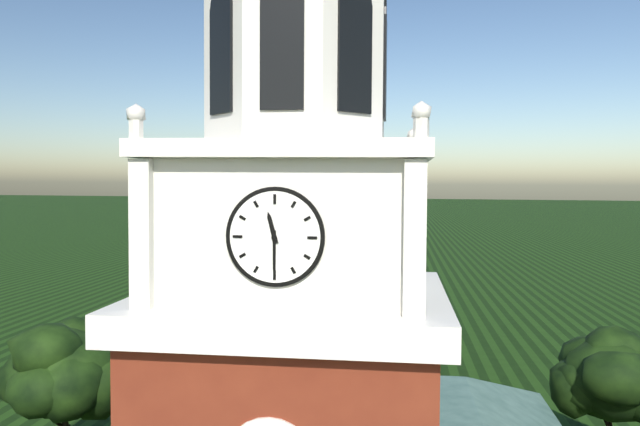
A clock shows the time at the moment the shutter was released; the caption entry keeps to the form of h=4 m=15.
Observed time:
h=11 m=30
